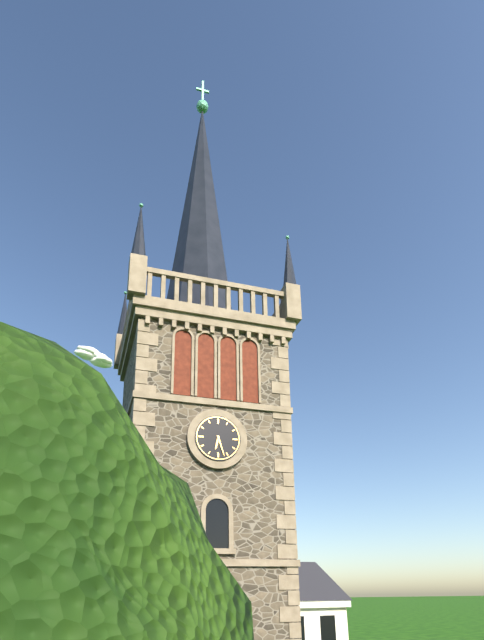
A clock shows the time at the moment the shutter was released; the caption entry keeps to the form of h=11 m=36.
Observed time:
h=6 m=27
